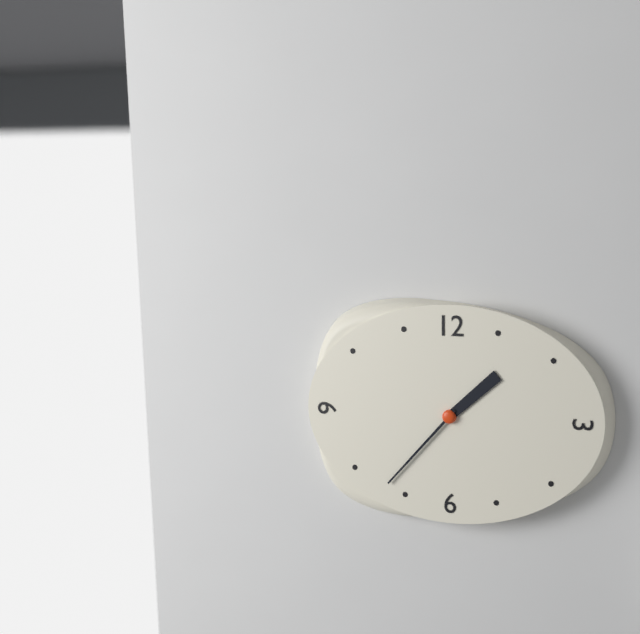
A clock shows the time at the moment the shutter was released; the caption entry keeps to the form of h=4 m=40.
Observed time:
h=1 m=37
